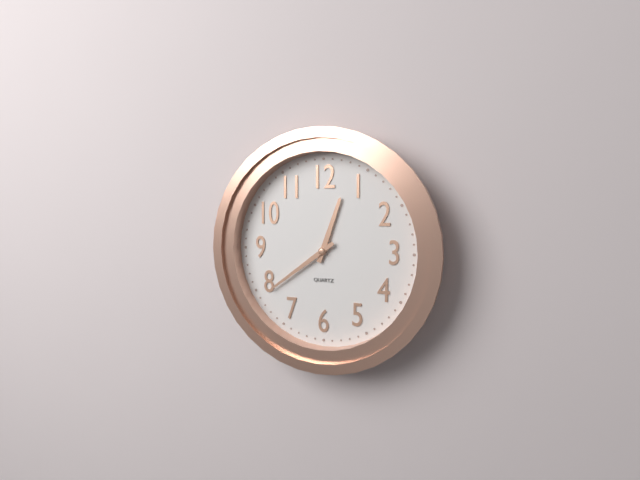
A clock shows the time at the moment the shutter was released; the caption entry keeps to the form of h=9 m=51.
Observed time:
h=12 m=39
